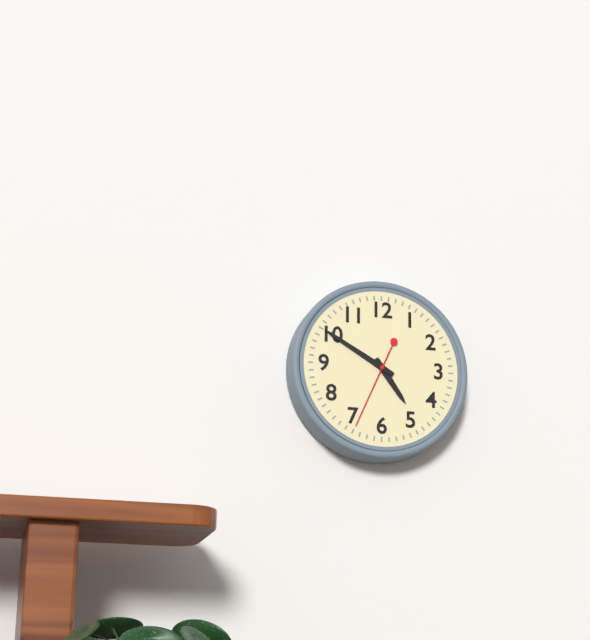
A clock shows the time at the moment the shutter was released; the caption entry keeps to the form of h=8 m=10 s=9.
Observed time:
h=4 m=50 s=34
